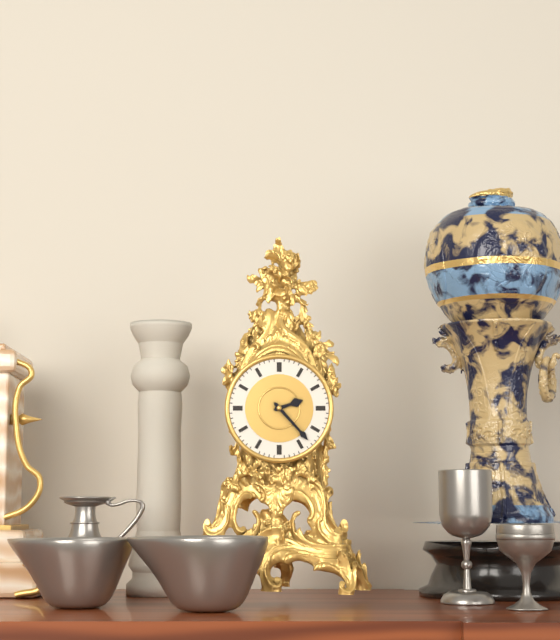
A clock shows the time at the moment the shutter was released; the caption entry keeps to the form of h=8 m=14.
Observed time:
h=2 m=23
